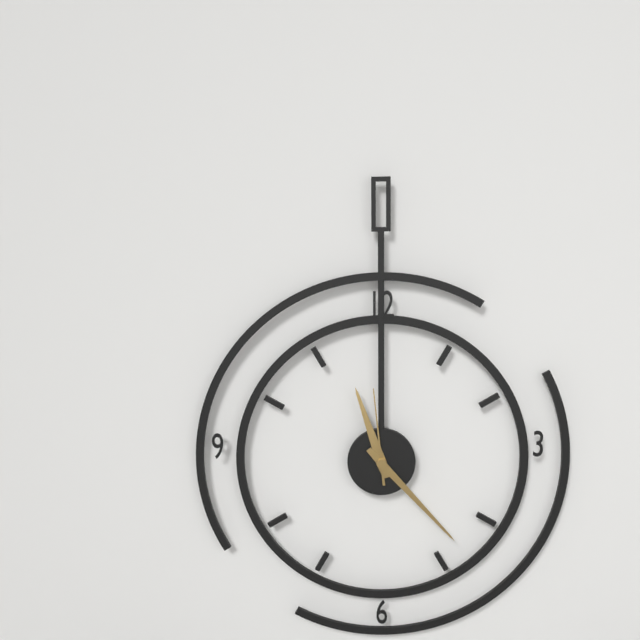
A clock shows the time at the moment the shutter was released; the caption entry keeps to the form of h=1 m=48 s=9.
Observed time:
h=11 m=23 s=59
